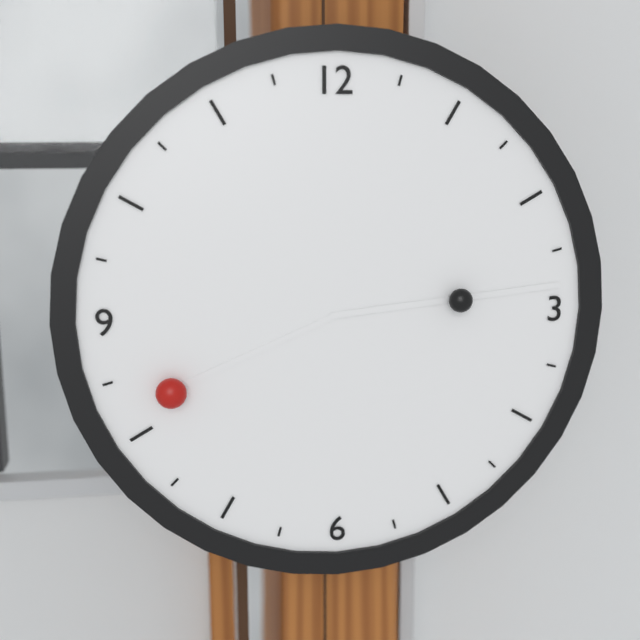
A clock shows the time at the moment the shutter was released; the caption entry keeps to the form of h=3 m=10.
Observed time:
h=8 m=14
